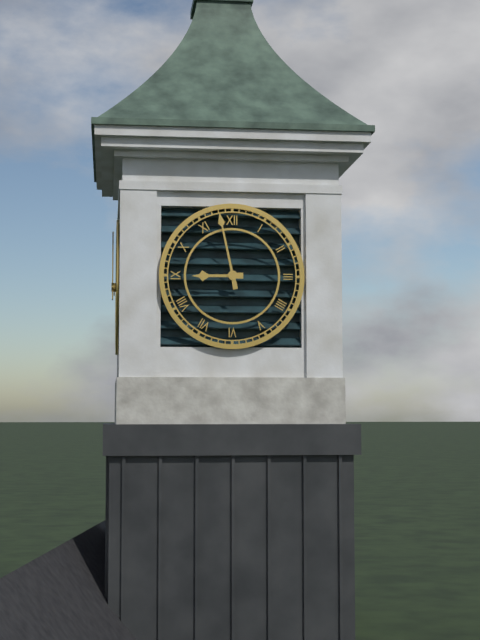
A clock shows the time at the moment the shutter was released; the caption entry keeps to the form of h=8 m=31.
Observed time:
h=8 m=58
